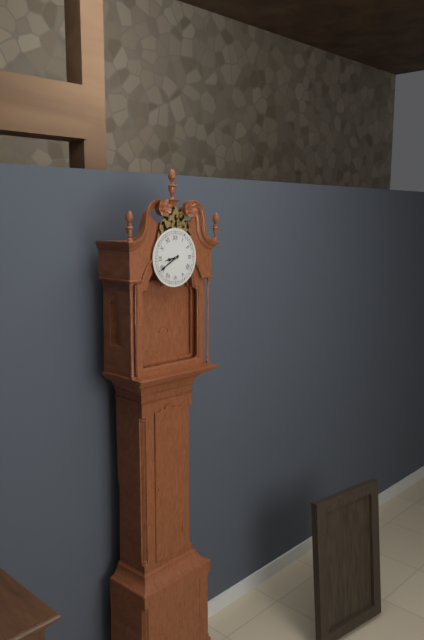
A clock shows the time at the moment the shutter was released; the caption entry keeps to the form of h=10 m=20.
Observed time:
h=8 m=40
